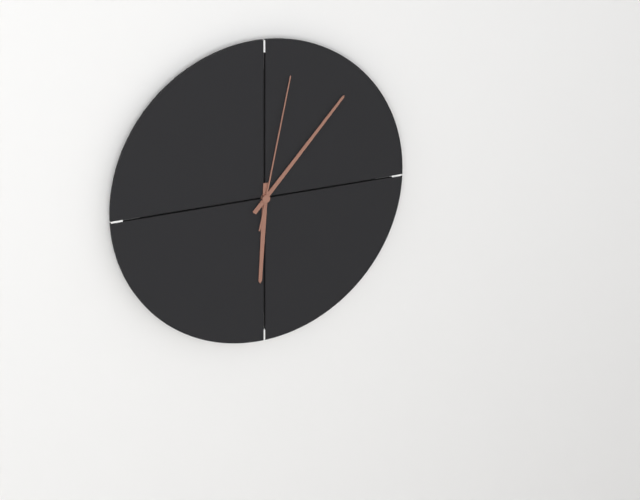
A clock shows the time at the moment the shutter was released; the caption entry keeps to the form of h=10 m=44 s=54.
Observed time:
h=6 m=7 s=2
